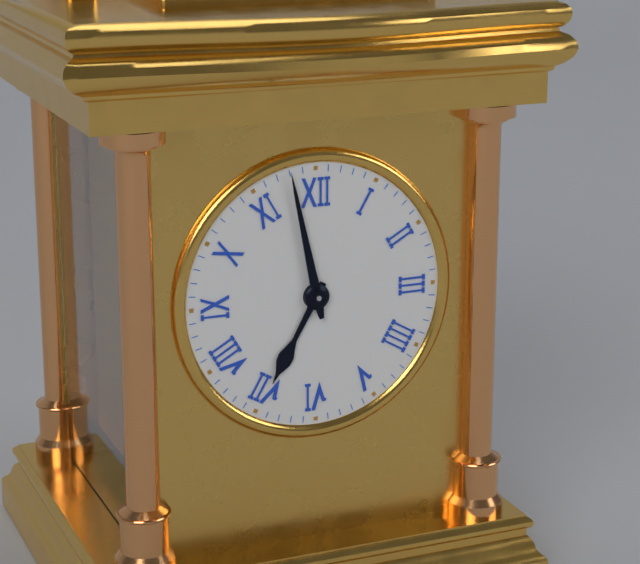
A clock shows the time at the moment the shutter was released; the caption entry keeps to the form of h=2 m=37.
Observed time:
h=6 m=58
